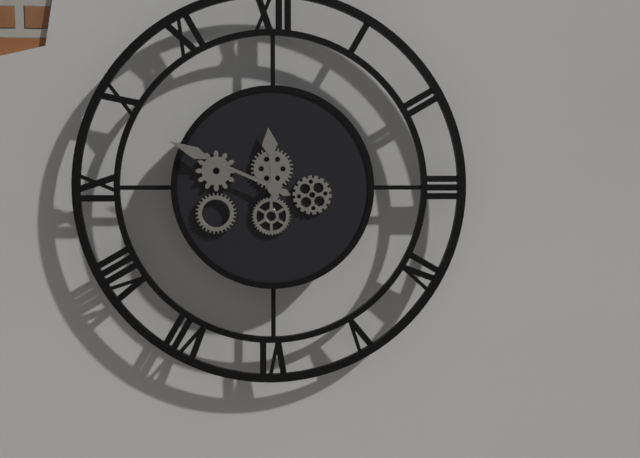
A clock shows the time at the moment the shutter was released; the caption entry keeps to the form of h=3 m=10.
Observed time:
h=11 m=49
